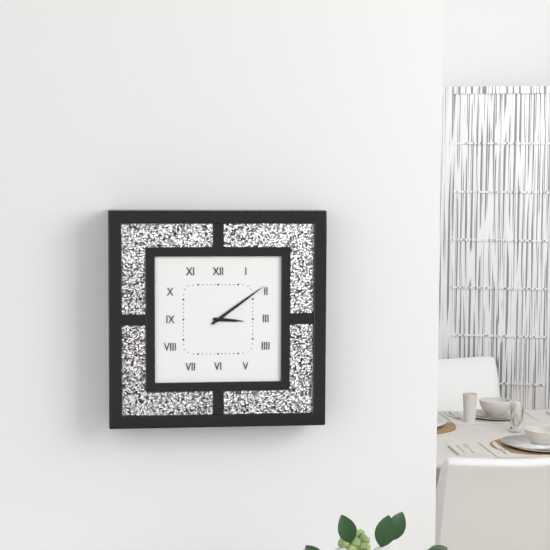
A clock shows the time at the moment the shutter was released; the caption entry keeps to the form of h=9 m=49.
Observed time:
h=3 m=9
